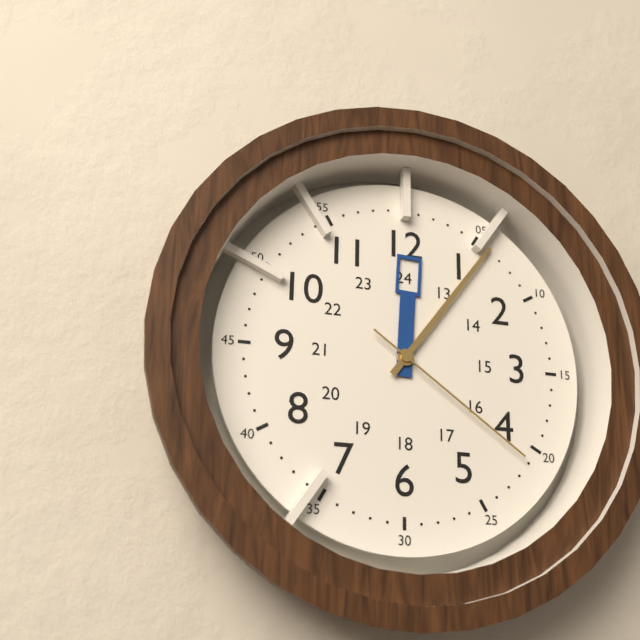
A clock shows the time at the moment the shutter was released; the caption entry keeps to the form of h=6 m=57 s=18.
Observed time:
h=12 m=6 s=21
